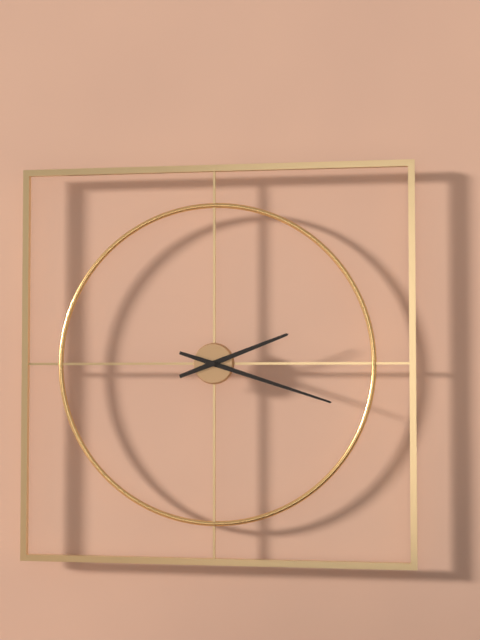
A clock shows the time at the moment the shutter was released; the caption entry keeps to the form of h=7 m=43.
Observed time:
h=2 m=18
